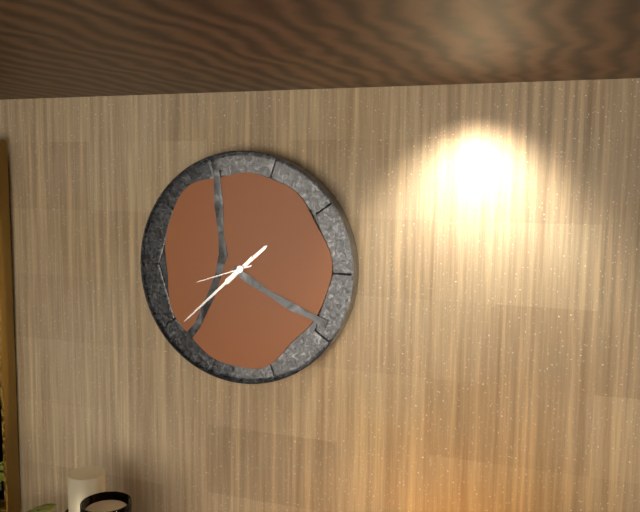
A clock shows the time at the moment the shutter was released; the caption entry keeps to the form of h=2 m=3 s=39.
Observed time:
h=1 m=38 s=42
